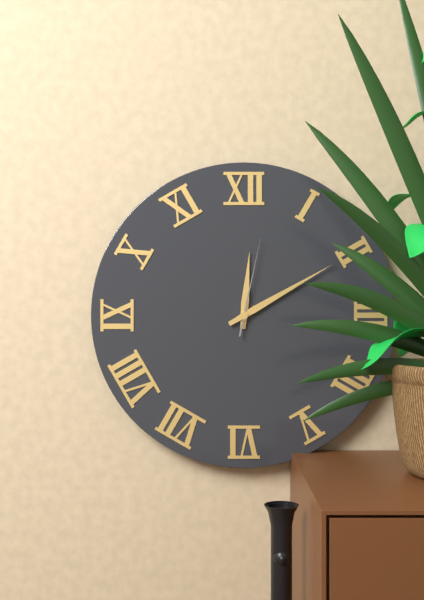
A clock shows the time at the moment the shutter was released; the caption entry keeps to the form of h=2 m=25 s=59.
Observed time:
h=12 m=10 s=2
